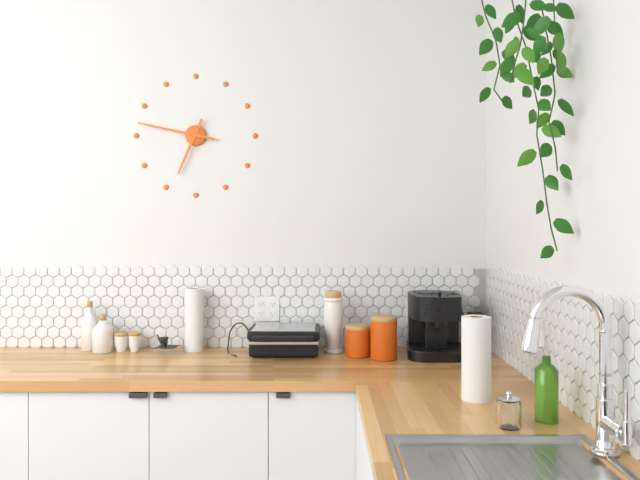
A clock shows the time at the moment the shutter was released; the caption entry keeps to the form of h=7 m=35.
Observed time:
h=6 m=47
